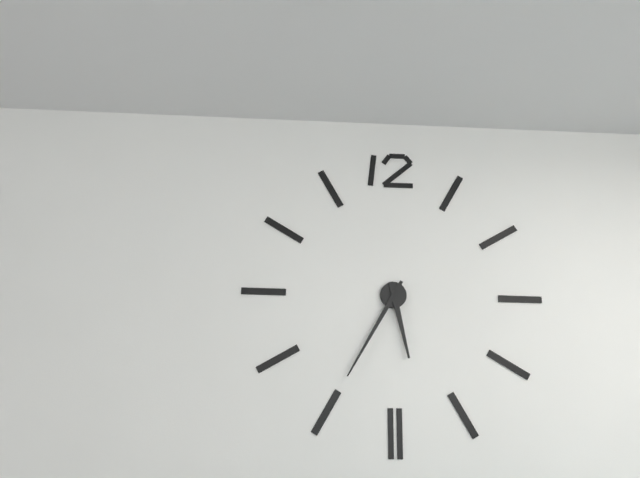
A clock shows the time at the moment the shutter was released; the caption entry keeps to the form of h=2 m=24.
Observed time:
h=5 m=35
